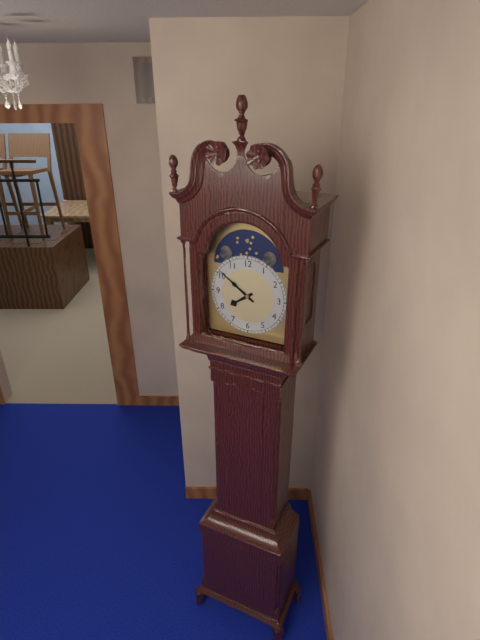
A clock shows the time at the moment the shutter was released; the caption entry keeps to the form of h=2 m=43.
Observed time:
h=7 m=51
